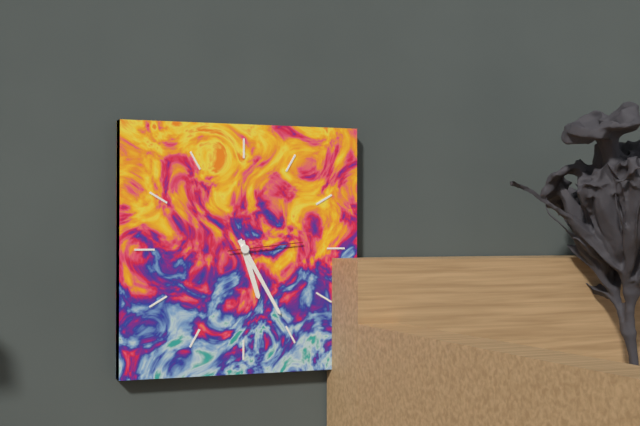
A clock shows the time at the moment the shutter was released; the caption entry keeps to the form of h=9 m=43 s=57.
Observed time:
h=5 m=25 s=14
